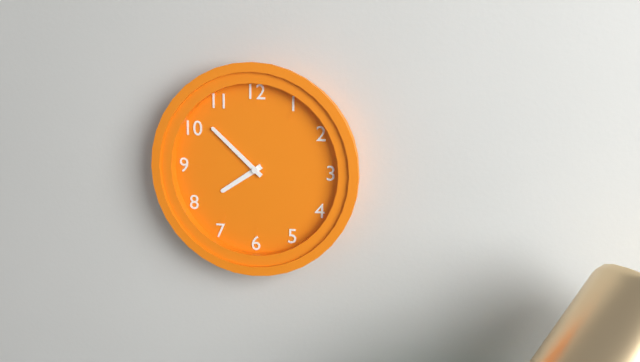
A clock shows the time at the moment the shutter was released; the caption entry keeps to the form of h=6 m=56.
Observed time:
h=7 m=52
